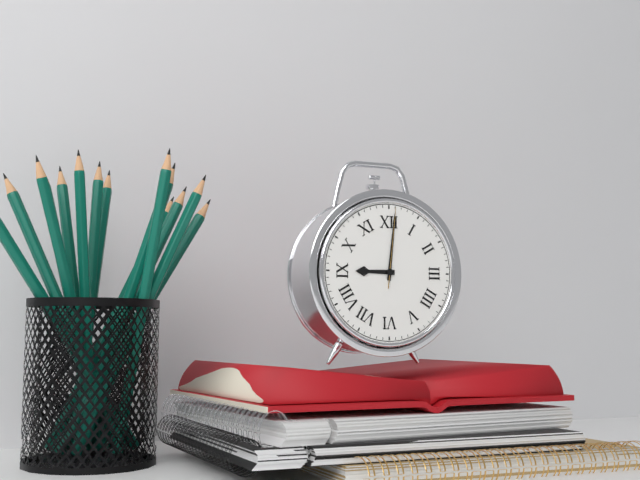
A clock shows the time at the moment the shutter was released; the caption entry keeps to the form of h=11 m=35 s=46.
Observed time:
h=9 m=1 s=1
